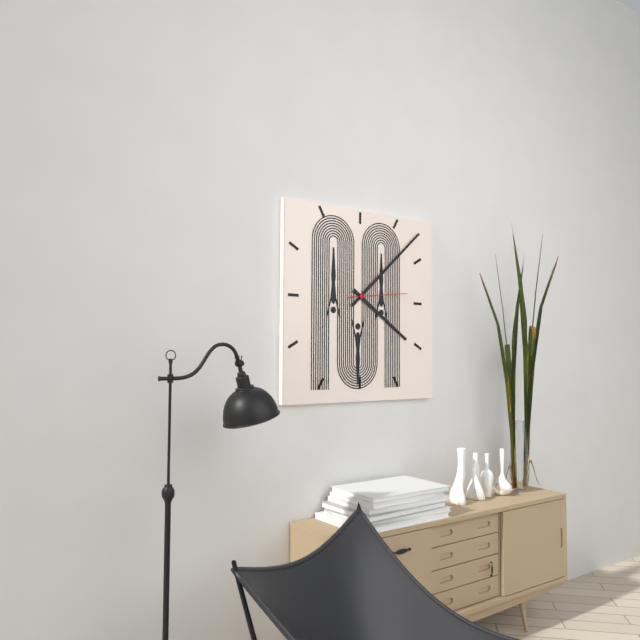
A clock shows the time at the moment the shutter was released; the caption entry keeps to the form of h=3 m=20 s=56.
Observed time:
h=4 m=8 s=14
